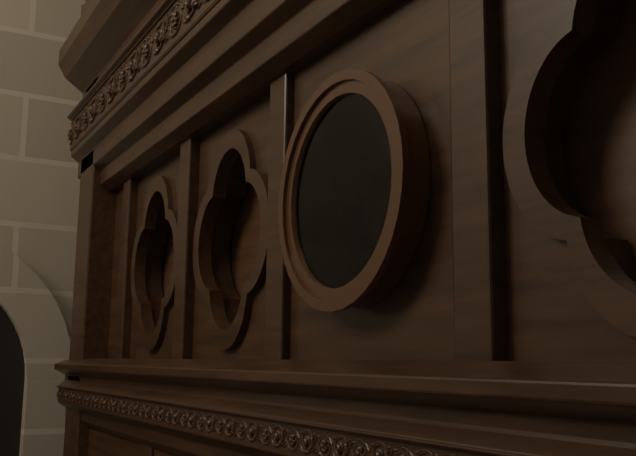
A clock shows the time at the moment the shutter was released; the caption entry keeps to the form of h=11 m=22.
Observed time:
h=10 m=1
